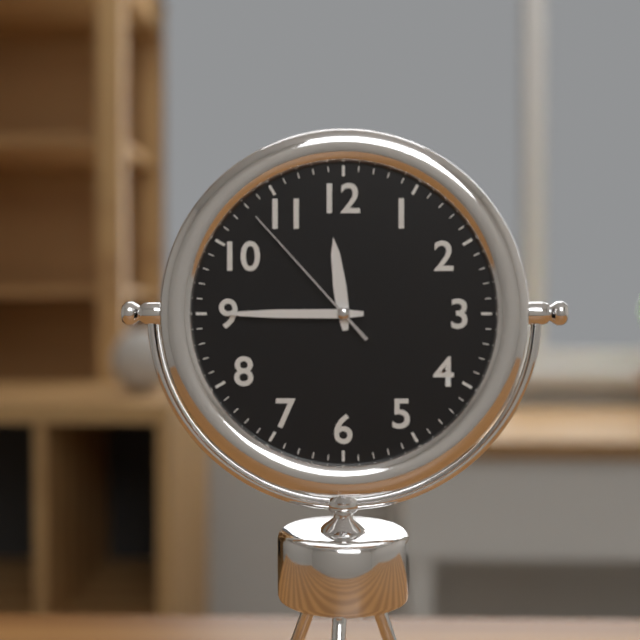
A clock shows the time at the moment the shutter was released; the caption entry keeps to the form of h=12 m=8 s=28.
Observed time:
h=11 m=45 s=53
